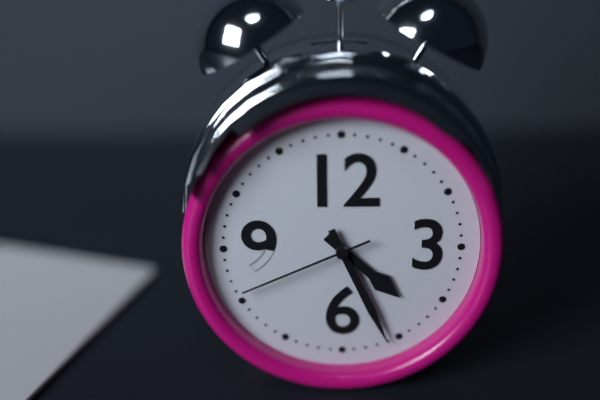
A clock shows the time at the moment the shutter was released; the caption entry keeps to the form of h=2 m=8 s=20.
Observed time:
h=4 m=26 s=41
